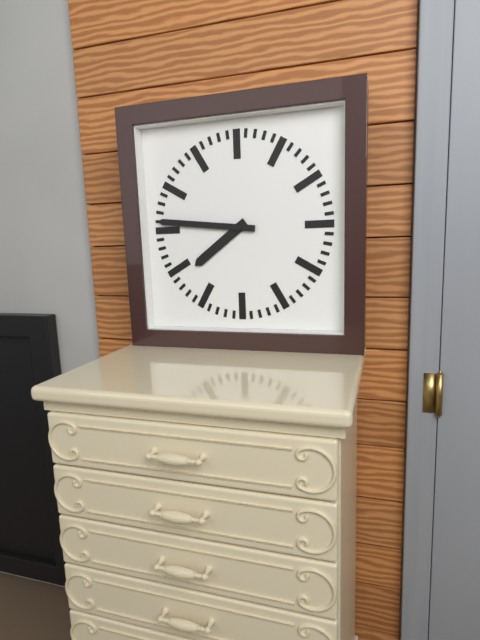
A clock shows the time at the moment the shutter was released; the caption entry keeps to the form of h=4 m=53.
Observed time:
h=7 m=46
